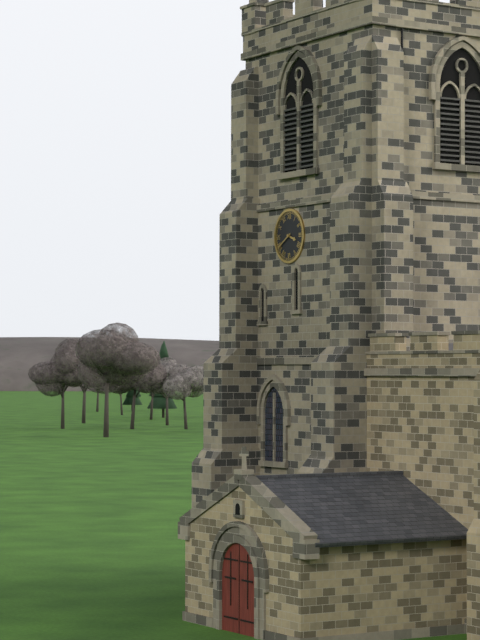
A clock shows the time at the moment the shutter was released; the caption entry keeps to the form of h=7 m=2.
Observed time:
h=3 m=40
